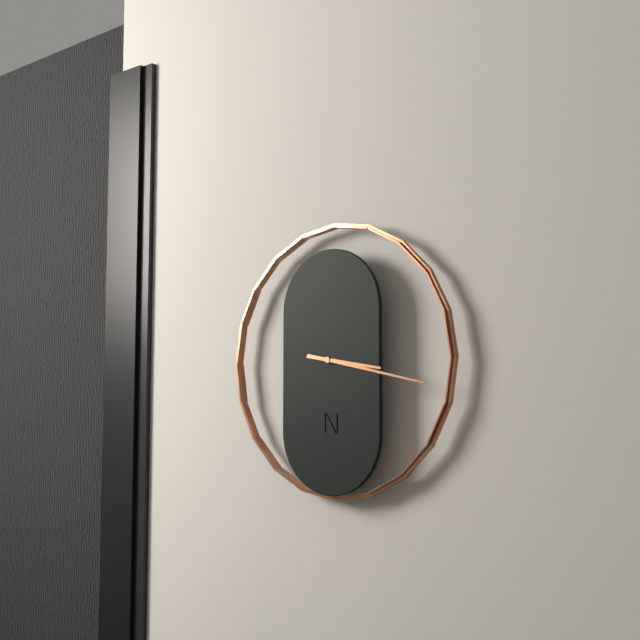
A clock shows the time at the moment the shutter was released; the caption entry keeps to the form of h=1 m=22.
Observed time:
h=3 m=17
